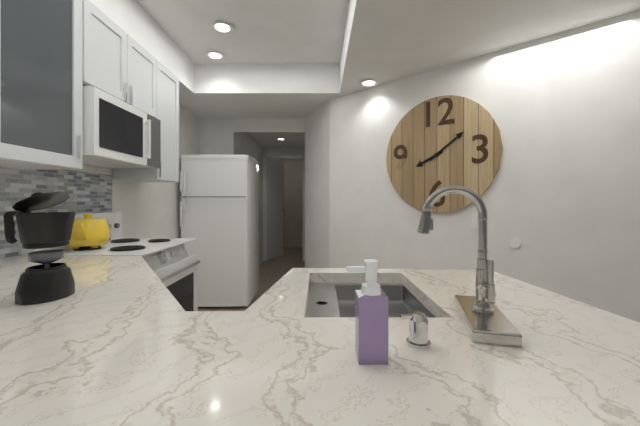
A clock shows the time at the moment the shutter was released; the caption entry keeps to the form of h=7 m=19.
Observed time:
h=8 m=9
